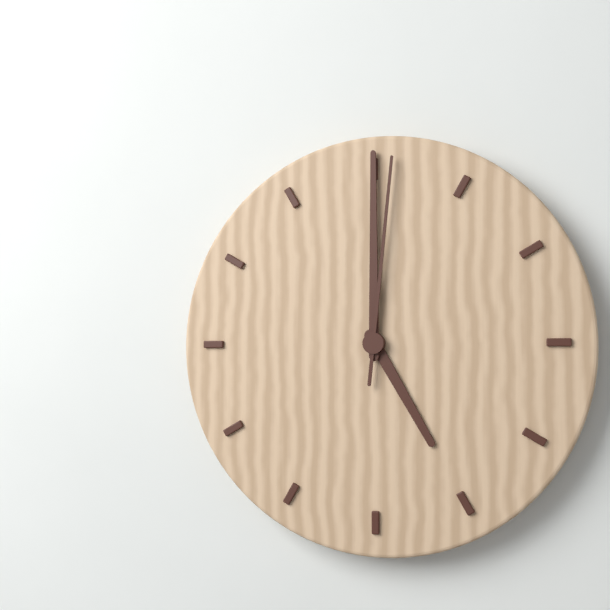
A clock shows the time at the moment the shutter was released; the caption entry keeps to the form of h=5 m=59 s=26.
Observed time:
h=5 m=0 s=1
